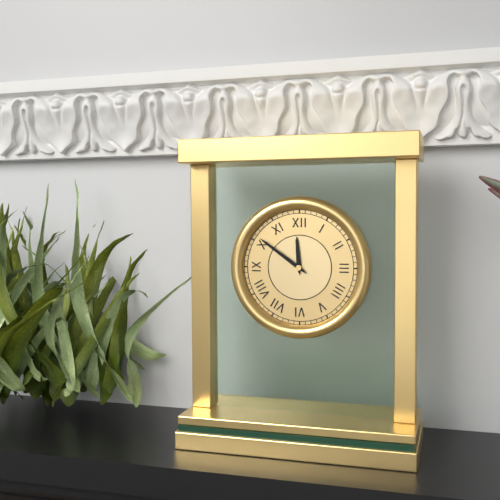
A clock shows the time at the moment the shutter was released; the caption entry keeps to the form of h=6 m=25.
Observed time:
h=11 m=51
